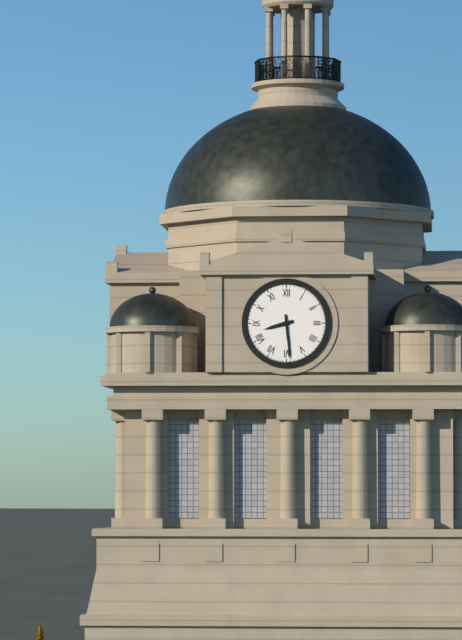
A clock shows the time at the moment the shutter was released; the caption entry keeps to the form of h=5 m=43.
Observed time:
h=8 m=29
